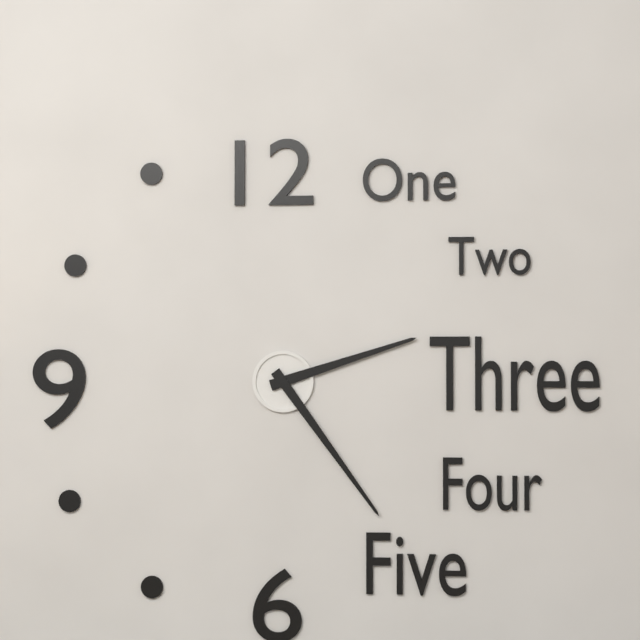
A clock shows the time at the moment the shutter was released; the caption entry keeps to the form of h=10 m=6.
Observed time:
h=2 m=24
